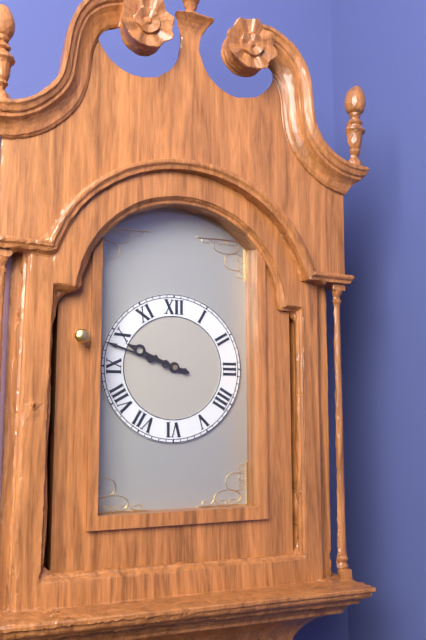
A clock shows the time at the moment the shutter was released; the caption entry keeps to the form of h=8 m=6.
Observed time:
h=9 m=48
